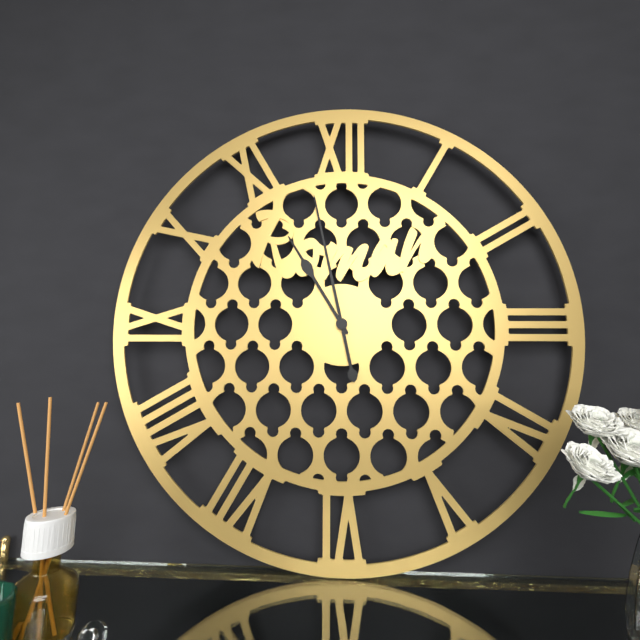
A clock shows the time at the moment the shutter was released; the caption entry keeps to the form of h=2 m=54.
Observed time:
h=10 m=58
